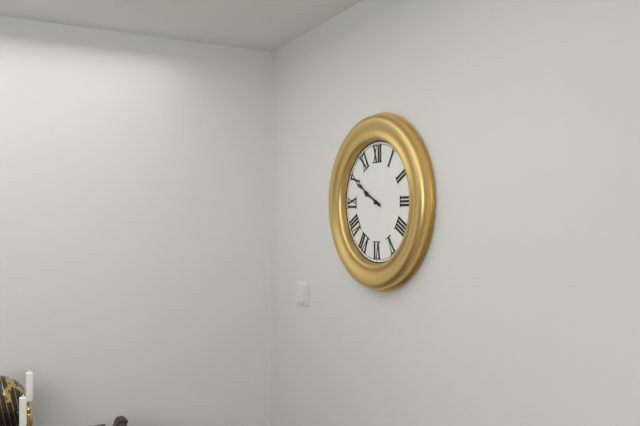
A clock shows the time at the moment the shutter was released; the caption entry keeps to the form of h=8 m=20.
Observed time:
h=9 m=50
